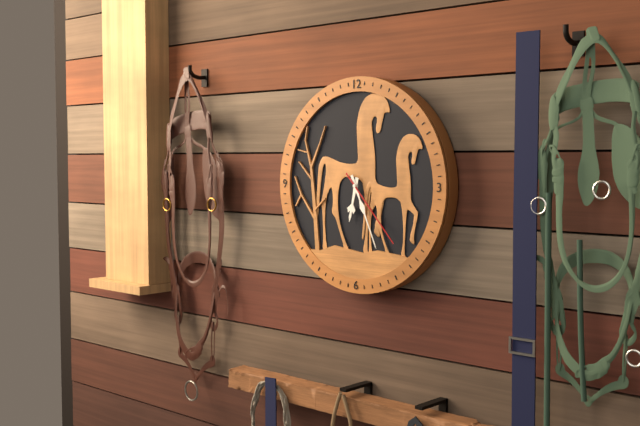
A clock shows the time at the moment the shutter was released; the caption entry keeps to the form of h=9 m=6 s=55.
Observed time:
h=6 m=26 s=23
